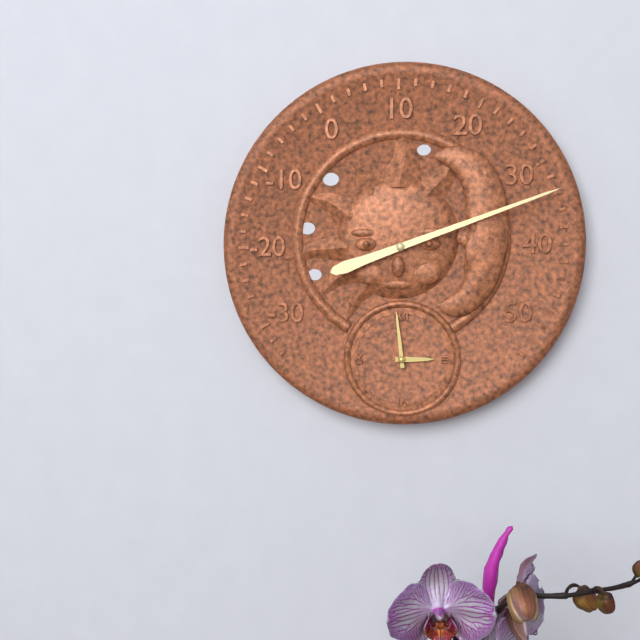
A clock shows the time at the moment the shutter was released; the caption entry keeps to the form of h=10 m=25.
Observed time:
h=2 m=59
